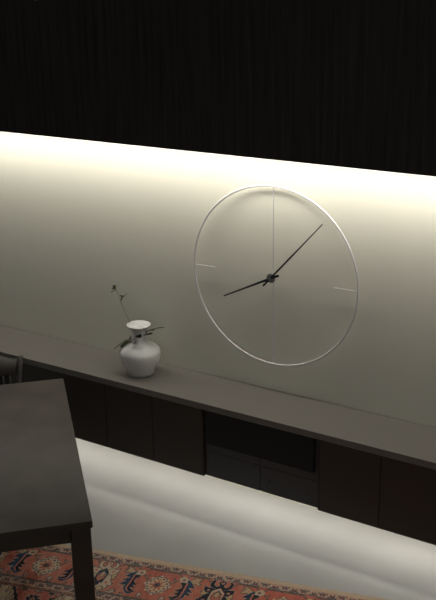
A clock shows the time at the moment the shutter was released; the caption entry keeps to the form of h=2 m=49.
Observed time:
h=8 m=7
